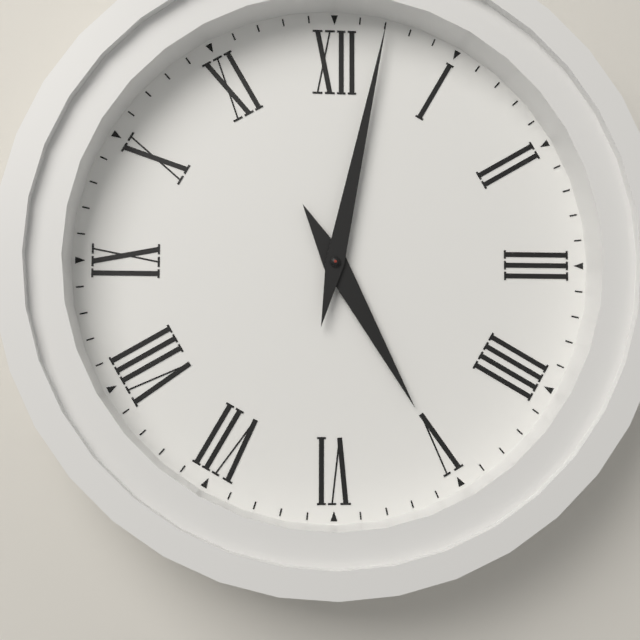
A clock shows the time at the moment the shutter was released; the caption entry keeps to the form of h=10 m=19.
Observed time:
h=5 m=2
